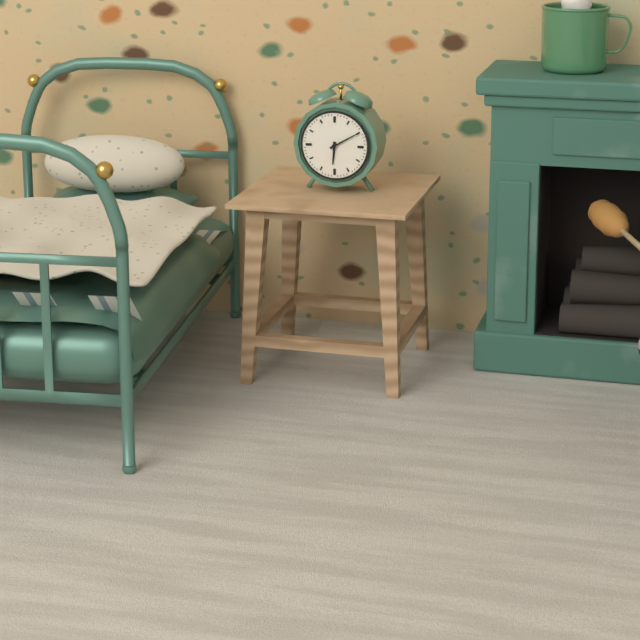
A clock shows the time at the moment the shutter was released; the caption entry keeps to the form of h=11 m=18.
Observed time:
h=6 m=10
